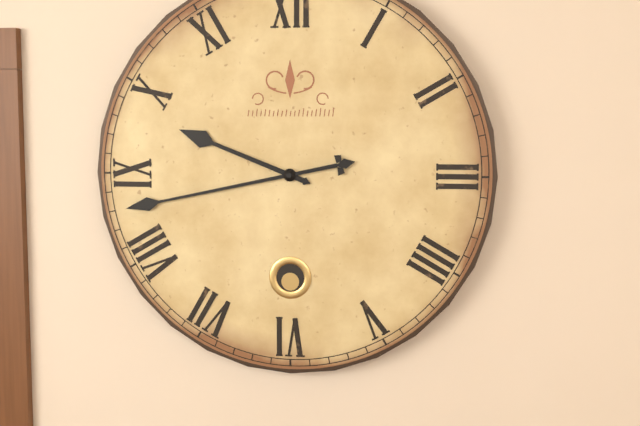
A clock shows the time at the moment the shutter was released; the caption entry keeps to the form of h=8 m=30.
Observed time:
h=9 m=43
